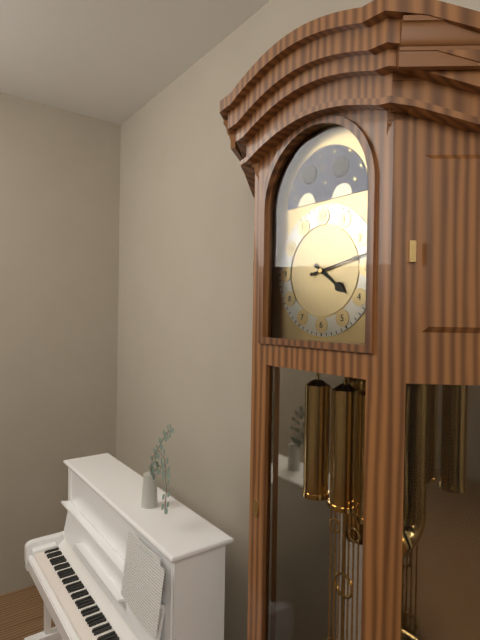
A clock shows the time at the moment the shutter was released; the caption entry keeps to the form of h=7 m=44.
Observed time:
h=4 m=13
